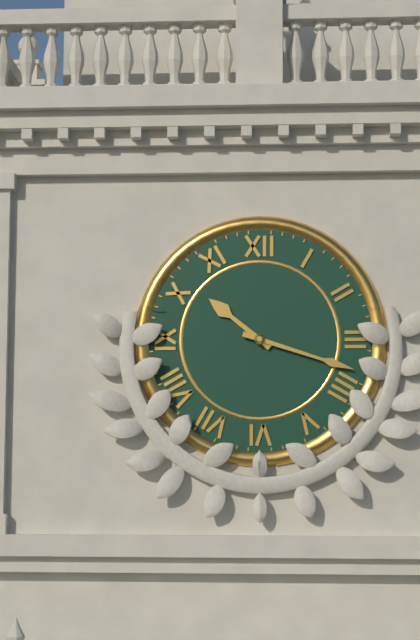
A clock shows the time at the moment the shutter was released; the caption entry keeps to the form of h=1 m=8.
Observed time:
h=10 m=18
